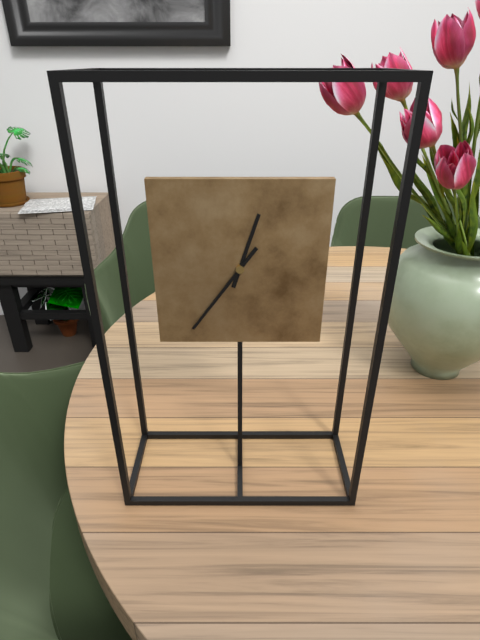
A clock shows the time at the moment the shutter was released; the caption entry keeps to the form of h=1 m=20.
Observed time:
h=12 m=36
